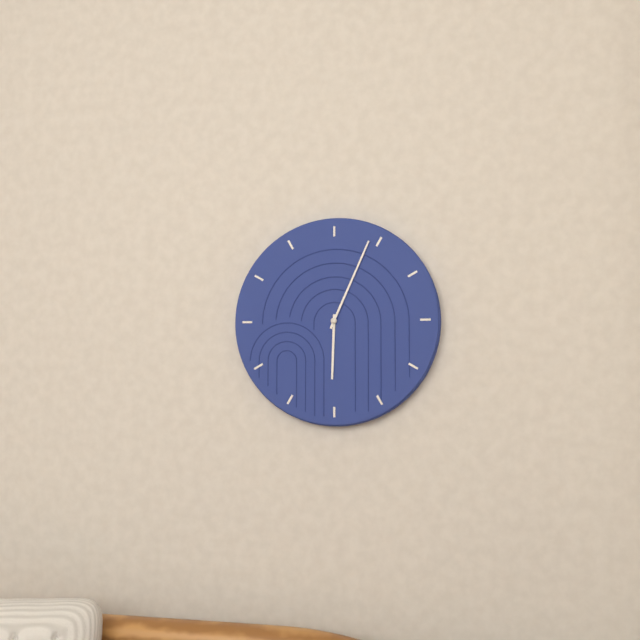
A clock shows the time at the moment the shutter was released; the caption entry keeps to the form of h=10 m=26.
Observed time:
h=6 m=4
